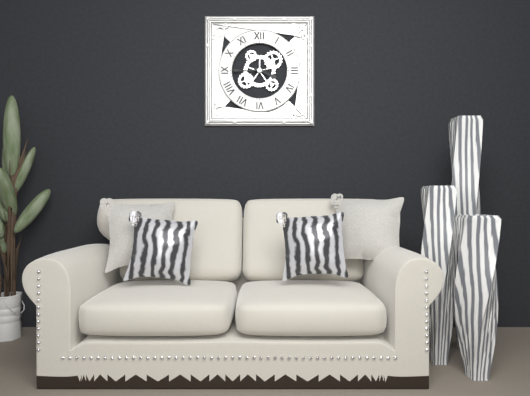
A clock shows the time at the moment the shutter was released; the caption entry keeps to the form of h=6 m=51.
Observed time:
h=3 m=45
